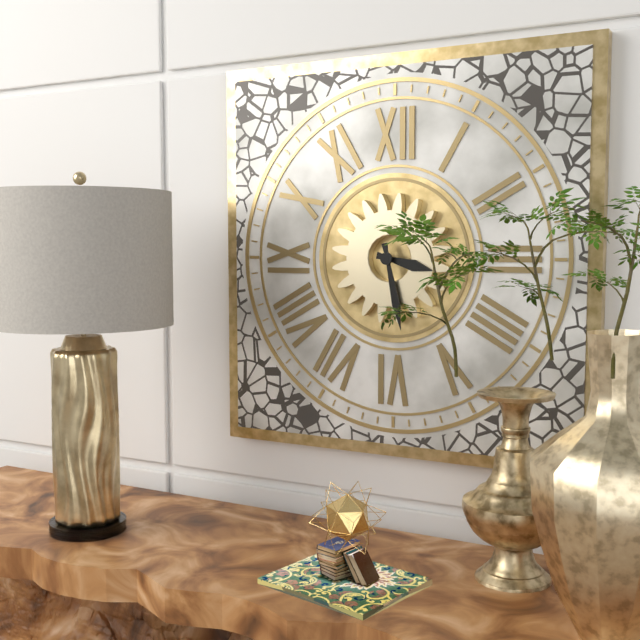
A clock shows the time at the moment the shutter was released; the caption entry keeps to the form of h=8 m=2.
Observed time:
h=3 m=28
